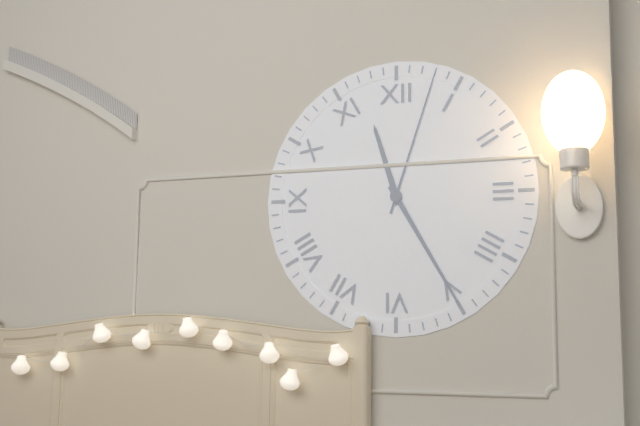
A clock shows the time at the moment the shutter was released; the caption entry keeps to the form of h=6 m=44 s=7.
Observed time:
h=11 m=25 s=3
